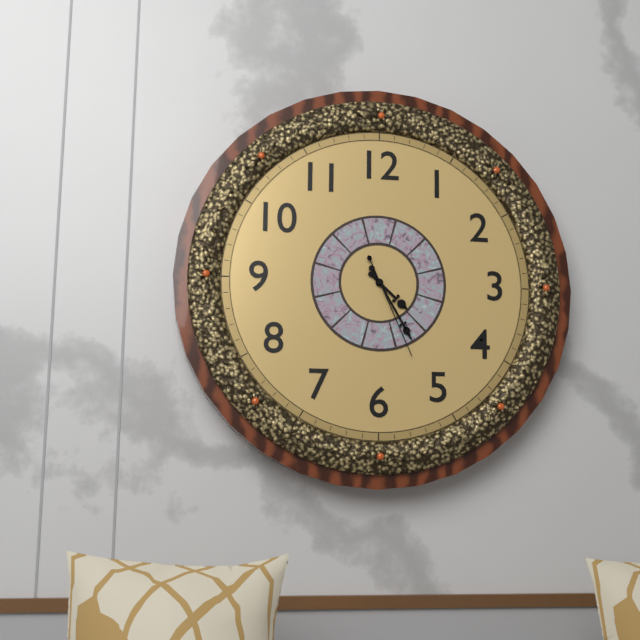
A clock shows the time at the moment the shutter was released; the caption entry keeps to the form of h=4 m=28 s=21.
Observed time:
h=4 m=25 s=26
